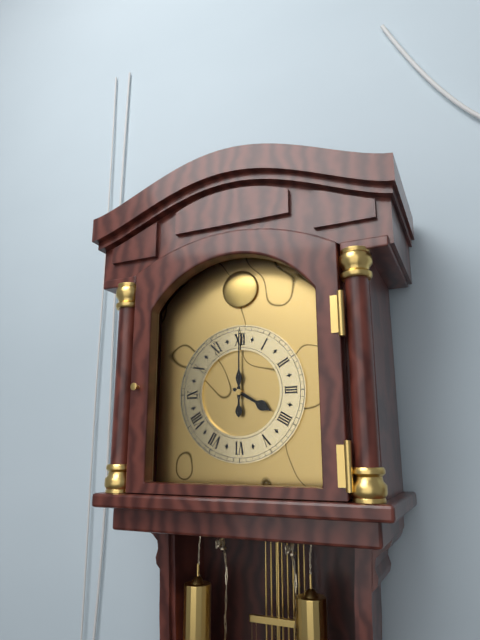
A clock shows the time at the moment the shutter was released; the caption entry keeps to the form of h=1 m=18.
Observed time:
h=4 m=0
